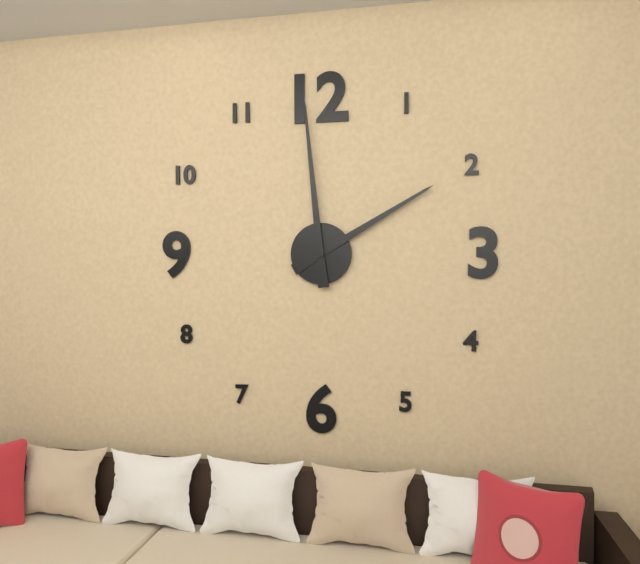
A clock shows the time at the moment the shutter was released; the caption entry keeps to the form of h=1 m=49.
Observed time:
h=1 m=59
